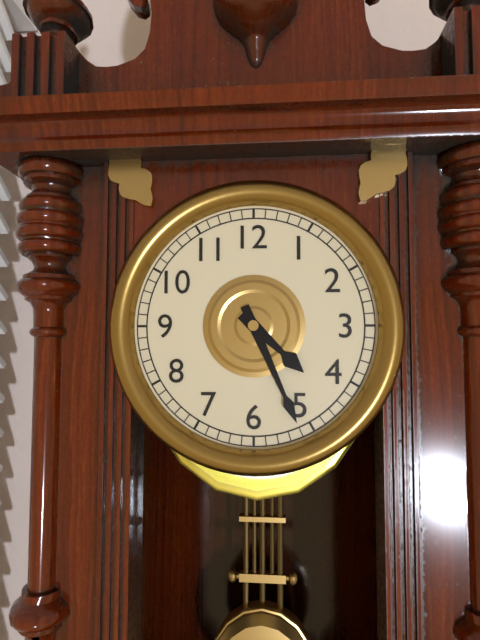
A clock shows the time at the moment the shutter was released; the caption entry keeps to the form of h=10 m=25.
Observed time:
h=4 m=26
